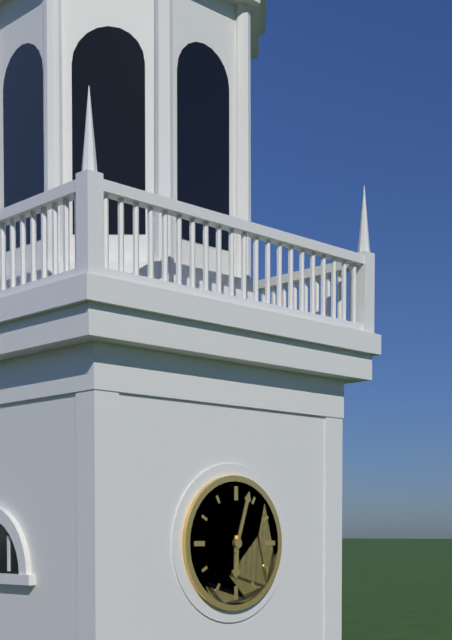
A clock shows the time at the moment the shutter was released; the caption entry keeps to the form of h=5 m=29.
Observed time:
h=6 m=3
